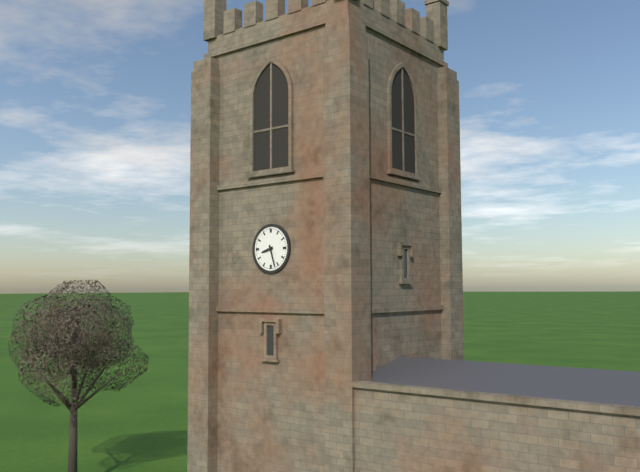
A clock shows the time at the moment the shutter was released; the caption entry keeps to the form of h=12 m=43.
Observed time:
h=8 m=27
